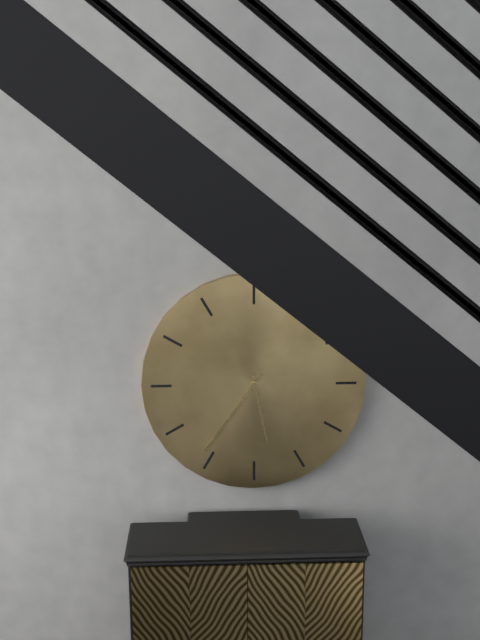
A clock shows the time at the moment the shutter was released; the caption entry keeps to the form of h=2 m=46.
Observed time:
h=5 m=36
